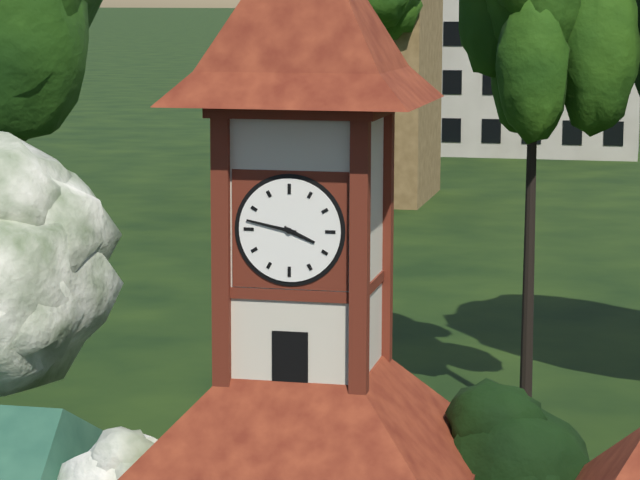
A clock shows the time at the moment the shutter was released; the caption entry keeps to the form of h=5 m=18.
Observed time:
h=3 m=47
